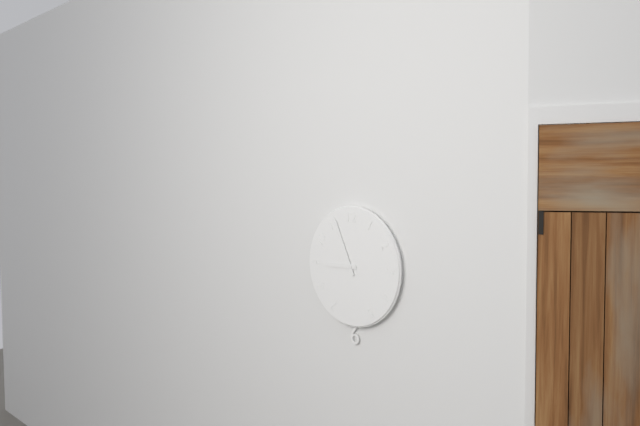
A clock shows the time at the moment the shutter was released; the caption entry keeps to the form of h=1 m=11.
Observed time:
h=8 m=56
